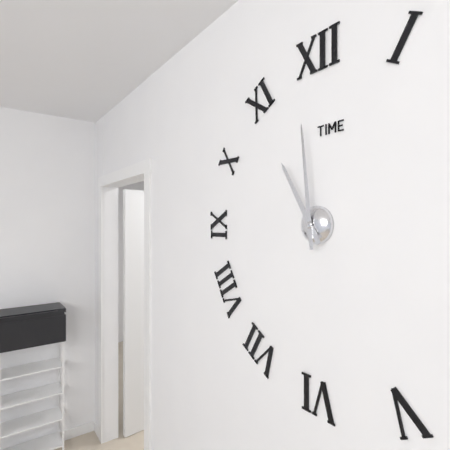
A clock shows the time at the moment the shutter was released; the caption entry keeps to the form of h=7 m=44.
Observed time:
h=10 m=59
